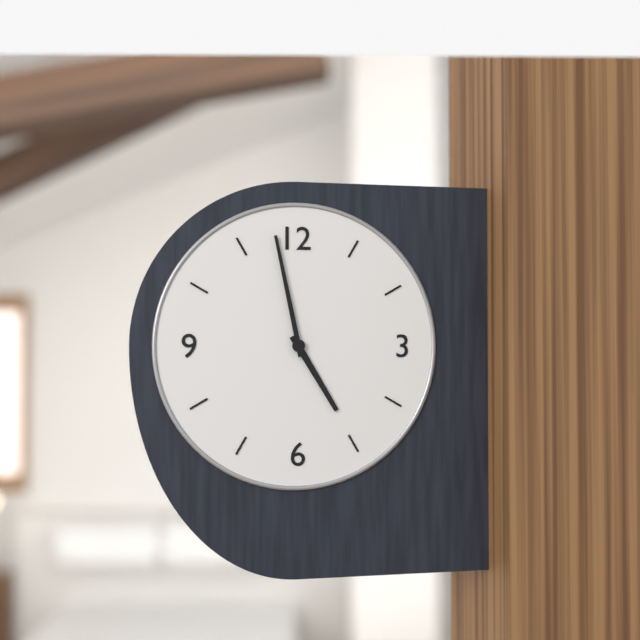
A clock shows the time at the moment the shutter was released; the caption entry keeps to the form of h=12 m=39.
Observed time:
h=4 m=58
